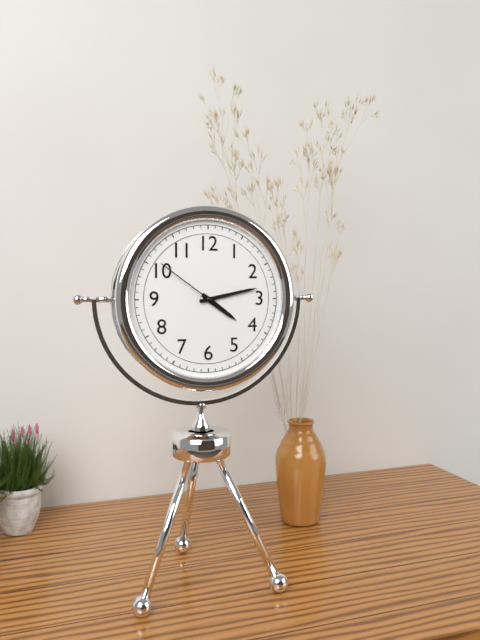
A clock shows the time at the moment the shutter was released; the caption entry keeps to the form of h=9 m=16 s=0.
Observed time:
h=4 m=13 s=51
